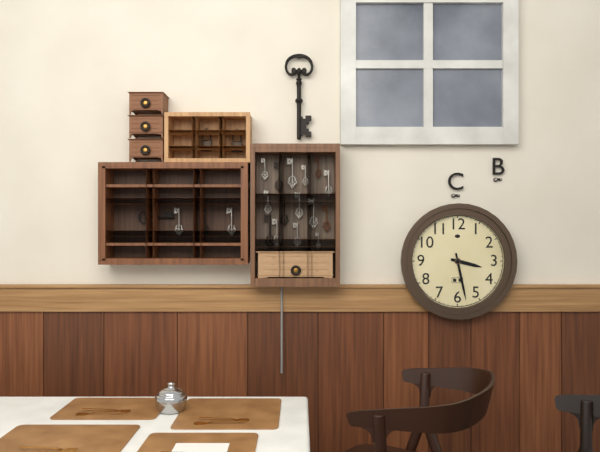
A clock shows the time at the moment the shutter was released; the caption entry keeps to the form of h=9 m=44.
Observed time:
h=3 m=28
